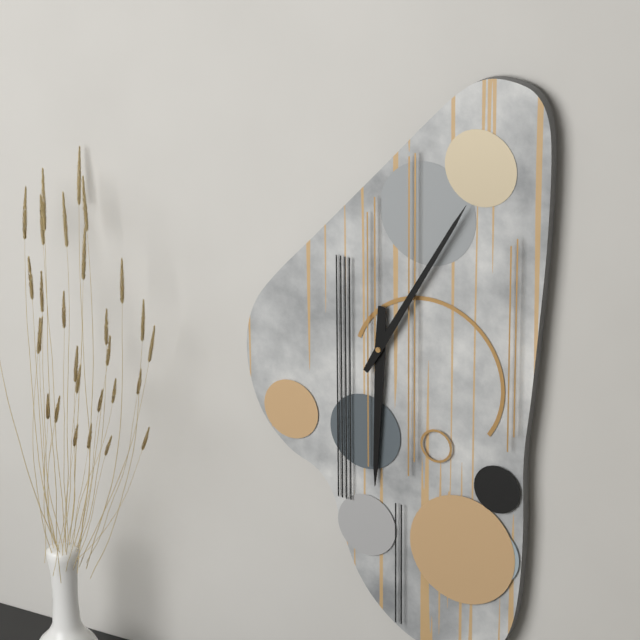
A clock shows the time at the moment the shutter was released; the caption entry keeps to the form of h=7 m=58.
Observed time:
h=6 m=5
